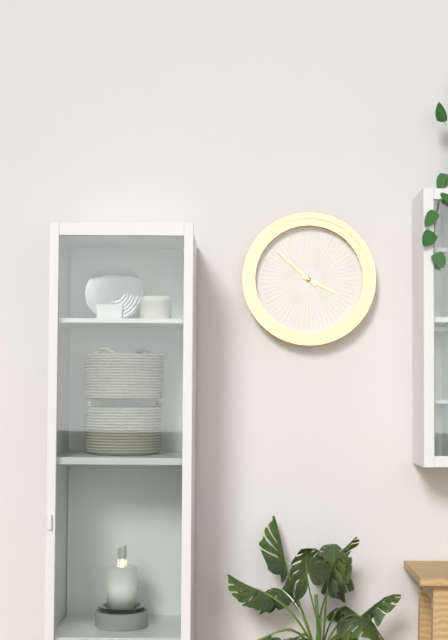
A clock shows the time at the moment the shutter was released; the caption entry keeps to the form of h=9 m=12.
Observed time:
h=3 m=52
